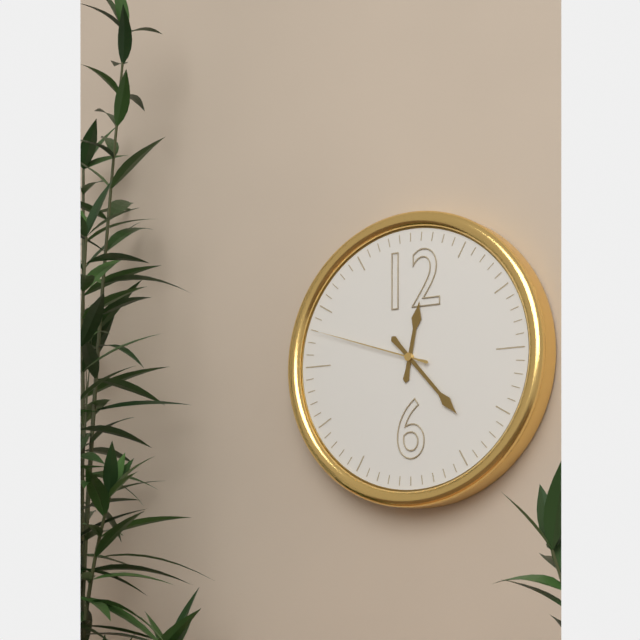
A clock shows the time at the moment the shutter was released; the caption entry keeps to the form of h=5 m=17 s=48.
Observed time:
h=12 m=23 s=48
